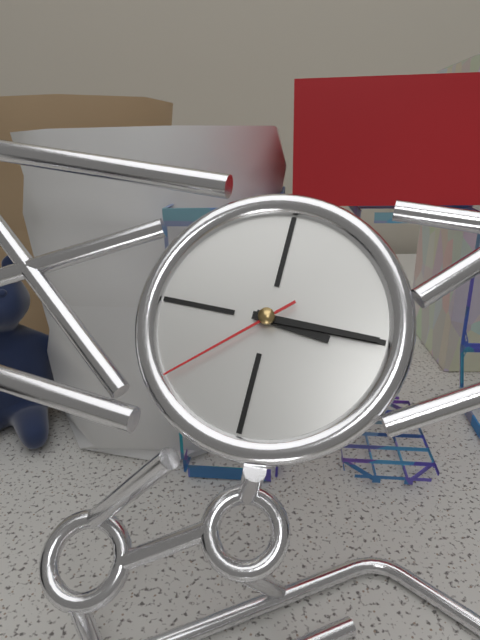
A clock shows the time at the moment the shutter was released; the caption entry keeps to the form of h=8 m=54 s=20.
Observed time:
h=3 m=15 s=38
